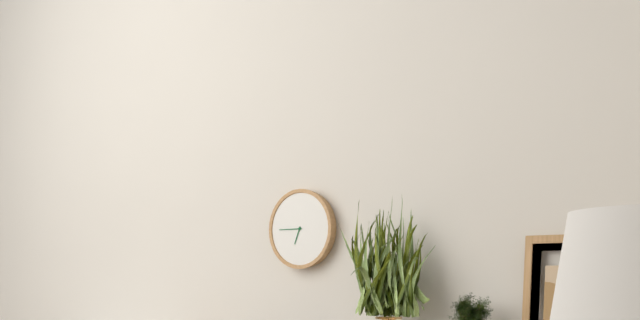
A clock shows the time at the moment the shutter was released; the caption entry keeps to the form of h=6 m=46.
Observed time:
h=6 m=45
